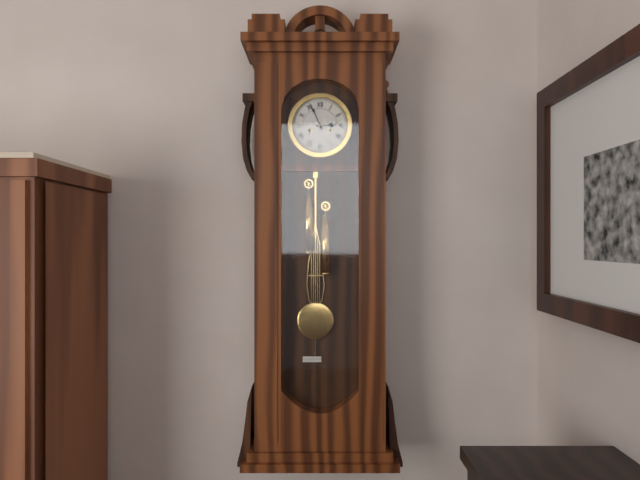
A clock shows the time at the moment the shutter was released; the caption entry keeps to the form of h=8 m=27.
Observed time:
h=2 m=56
